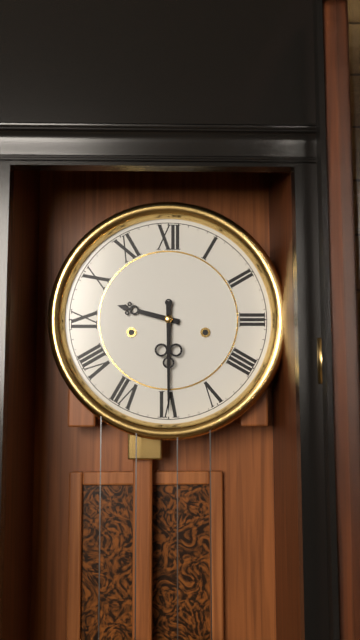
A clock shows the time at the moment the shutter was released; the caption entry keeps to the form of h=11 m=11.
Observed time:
h=9 m=30
